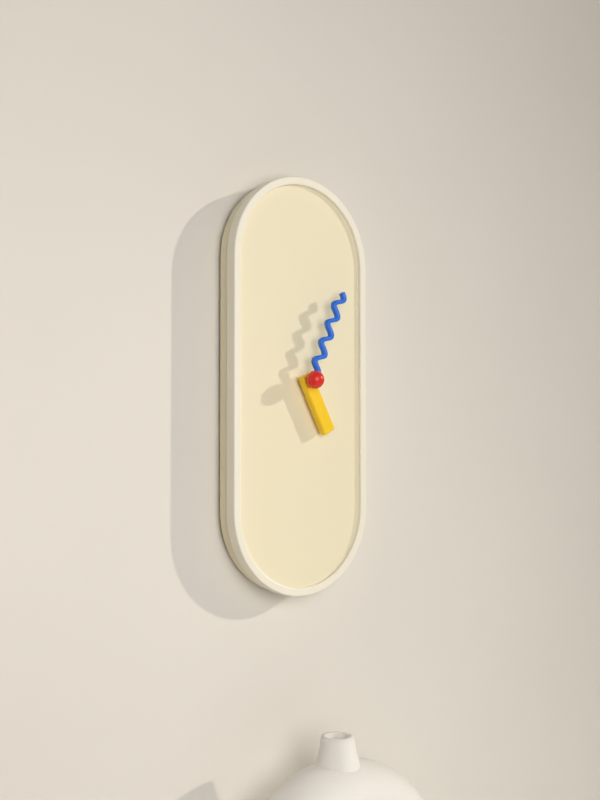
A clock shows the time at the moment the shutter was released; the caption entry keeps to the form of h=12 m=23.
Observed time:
h=5 m=4
